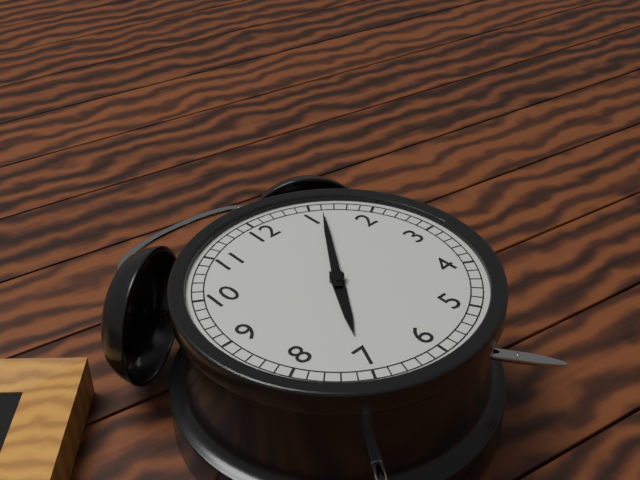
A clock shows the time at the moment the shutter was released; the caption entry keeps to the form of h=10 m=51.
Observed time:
h=7 m=6
